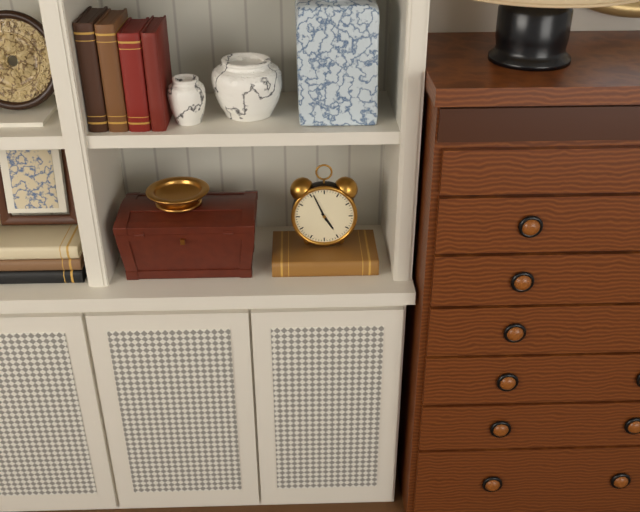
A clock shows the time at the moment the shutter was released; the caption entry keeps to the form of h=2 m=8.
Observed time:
h=4 m=56
